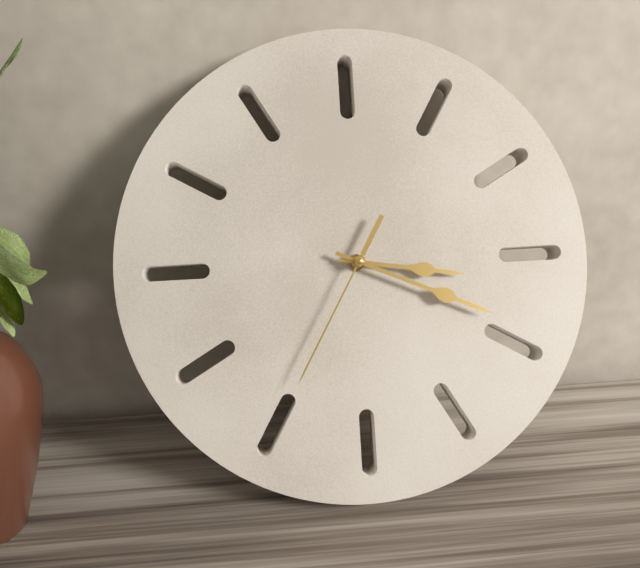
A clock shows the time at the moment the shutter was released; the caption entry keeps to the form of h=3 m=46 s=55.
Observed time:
h=3 m=19 s=35
